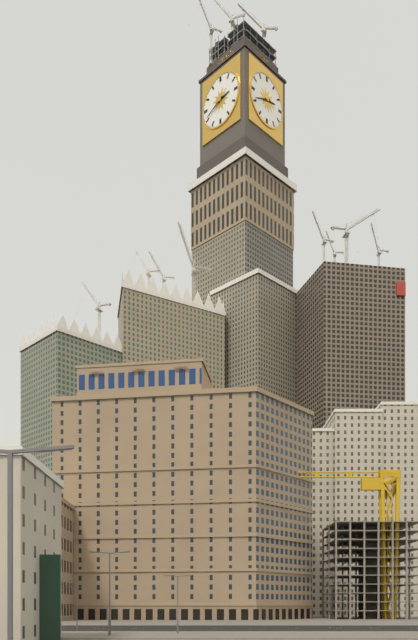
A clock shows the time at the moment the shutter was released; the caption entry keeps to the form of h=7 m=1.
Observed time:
h=2 m=41
